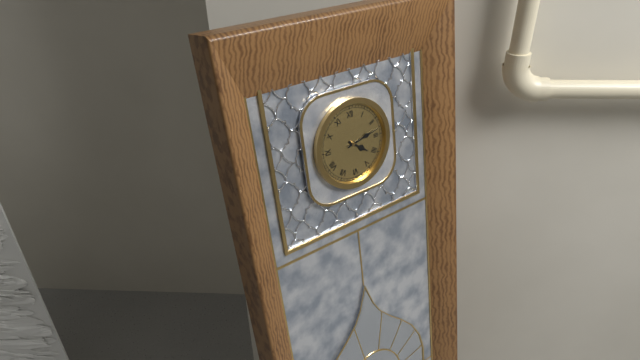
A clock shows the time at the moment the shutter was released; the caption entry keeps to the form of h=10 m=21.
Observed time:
h=4 m=13
